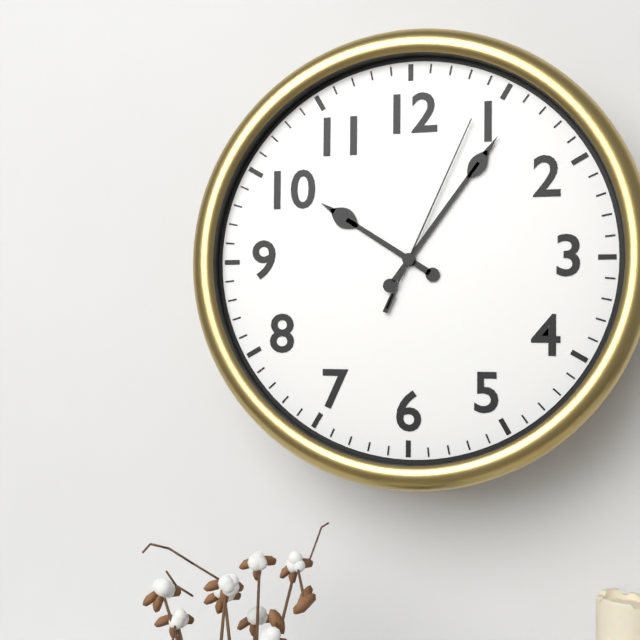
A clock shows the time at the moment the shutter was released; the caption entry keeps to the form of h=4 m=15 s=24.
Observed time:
h=10 m=6 s=4
